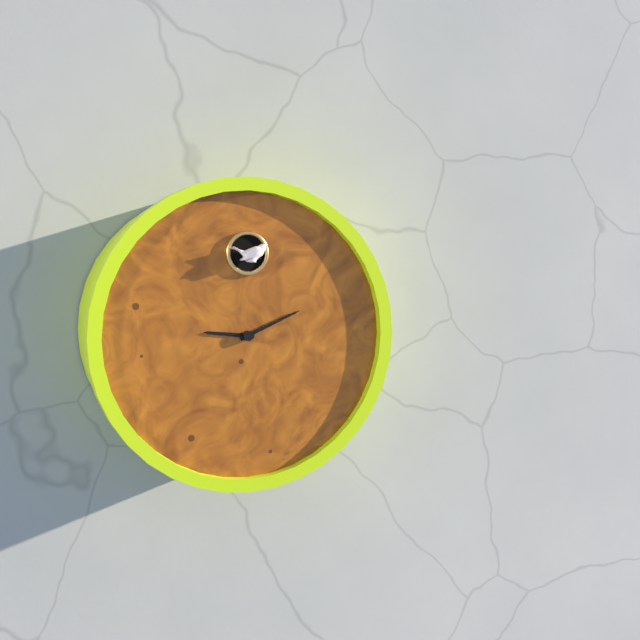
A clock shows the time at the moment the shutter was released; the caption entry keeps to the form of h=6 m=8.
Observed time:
h=9 m=11
